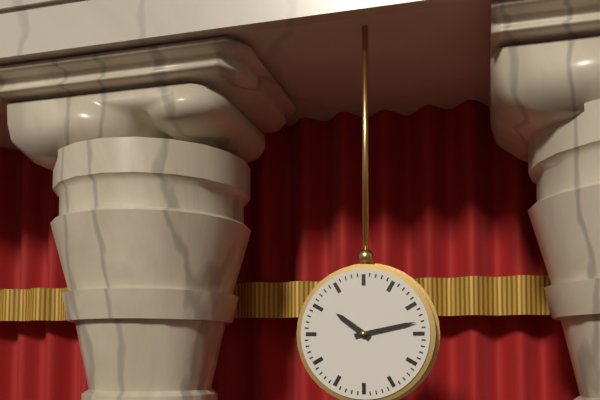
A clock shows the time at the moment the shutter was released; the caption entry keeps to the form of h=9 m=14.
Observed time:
h=10 m=13
